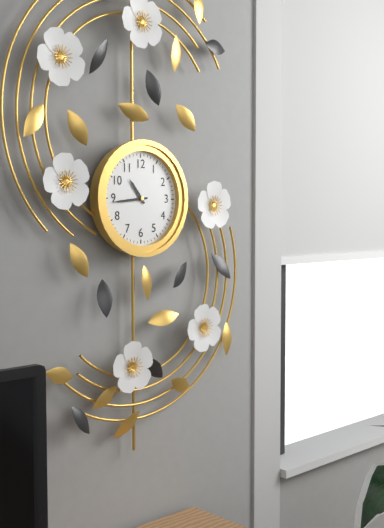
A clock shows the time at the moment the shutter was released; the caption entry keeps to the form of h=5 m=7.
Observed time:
h=10 m=44
